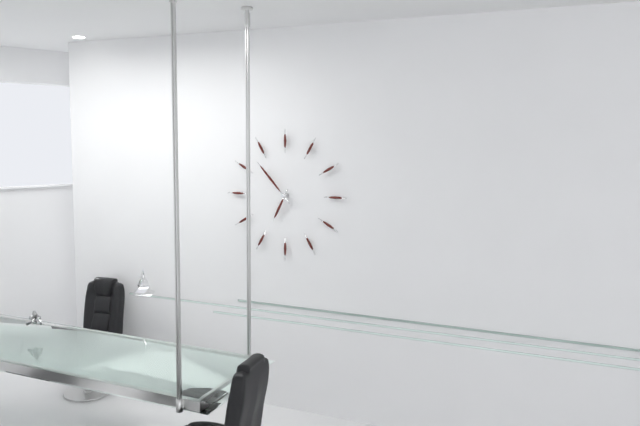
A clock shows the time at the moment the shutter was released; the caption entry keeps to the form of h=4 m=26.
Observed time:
h=6 m=53
